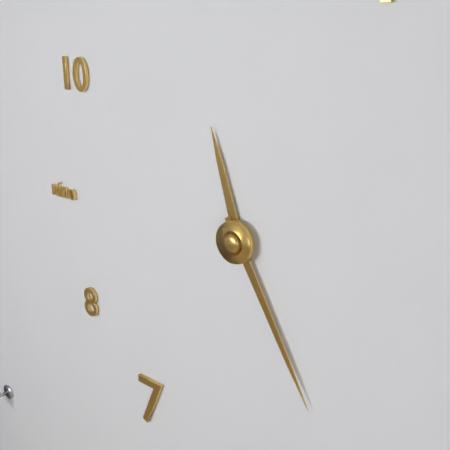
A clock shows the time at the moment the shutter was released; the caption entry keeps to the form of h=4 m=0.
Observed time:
h=11 m=25
